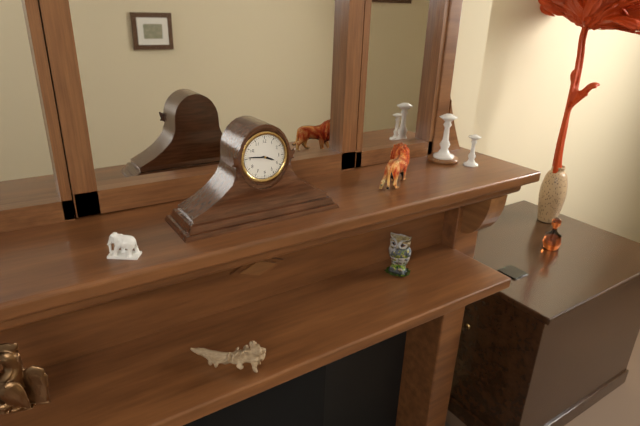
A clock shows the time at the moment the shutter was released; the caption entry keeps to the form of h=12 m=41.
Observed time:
h=3 m=46
